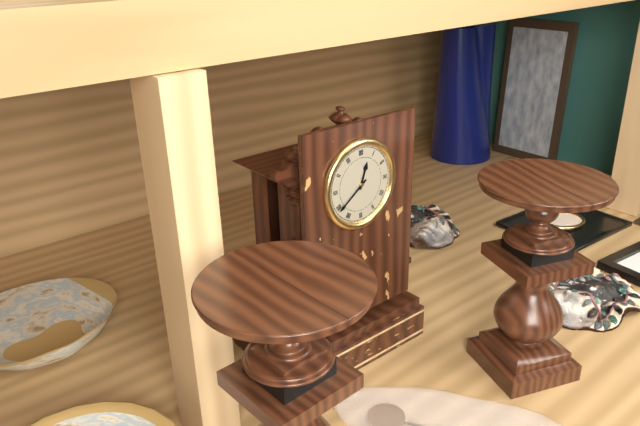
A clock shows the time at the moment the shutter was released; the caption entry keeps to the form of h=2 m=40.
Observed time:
h=12 m=39
